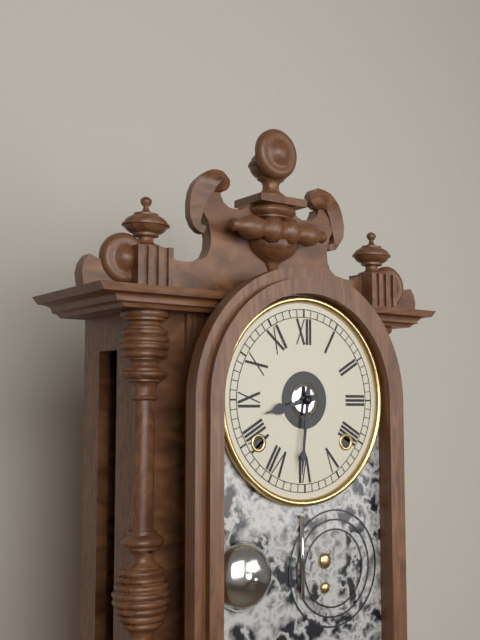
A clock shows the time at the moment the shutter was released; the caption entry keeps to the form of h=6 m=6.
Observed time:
h=8 m=31
